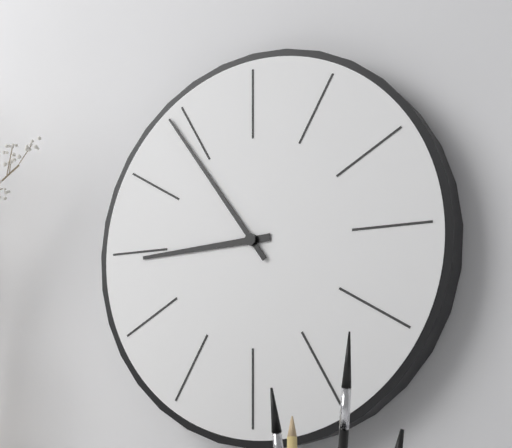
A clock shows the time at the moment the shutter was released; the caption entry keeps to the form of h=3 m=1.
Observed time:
h=8 m=54
